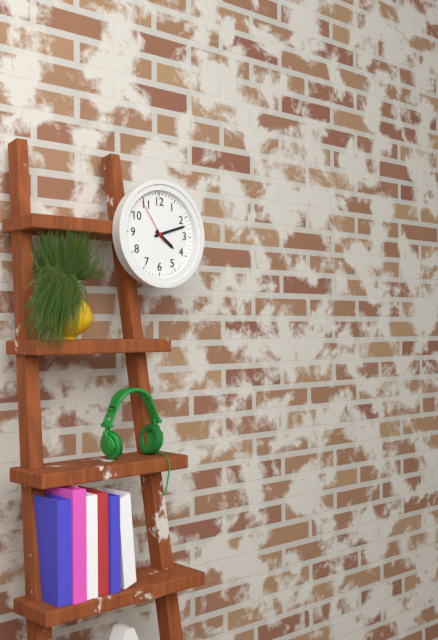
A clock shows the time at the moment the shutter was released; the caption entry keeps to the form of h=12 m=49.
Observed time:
h=4 m=12
